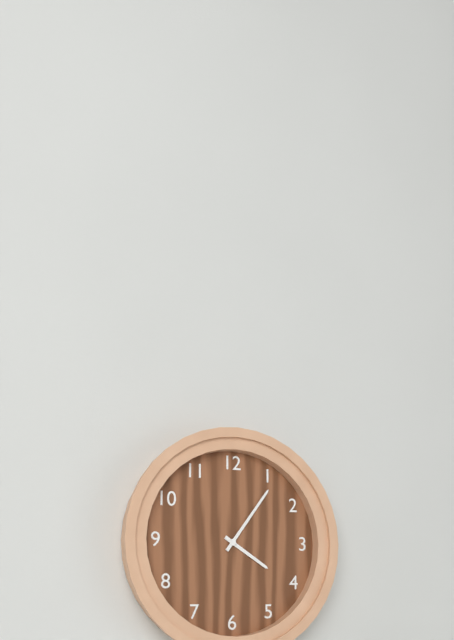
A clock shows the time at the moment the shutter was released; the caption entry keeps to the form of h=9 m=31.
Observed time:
h=4 m=6
